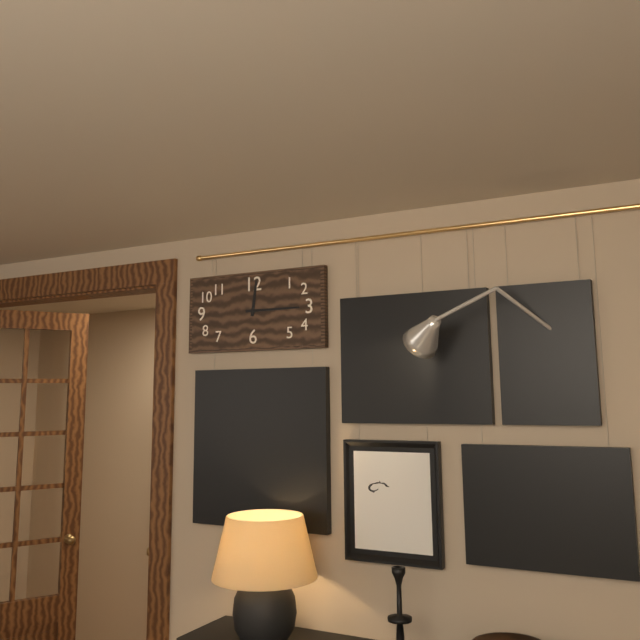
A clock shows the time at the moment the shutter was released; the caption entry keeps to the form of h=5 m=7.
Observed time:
h=12 m=15
